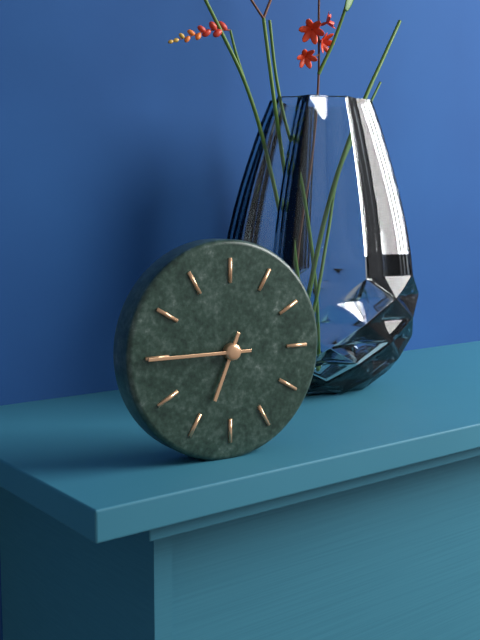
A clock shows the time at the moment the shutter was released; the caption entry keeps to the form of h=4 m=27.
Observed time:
h=6 m=45
